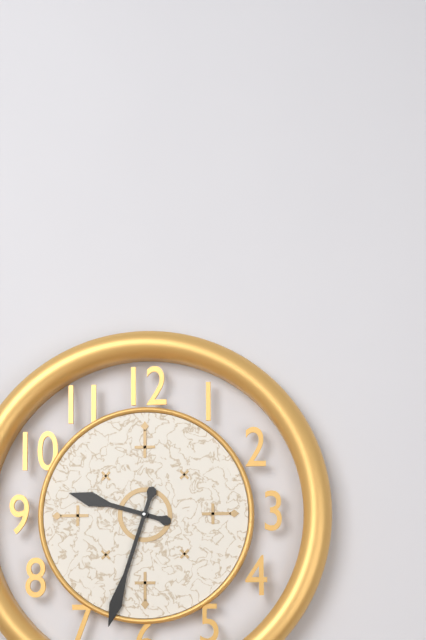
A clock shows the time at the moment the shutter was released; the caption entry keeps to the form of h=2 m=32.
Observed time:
h=9 m=33
